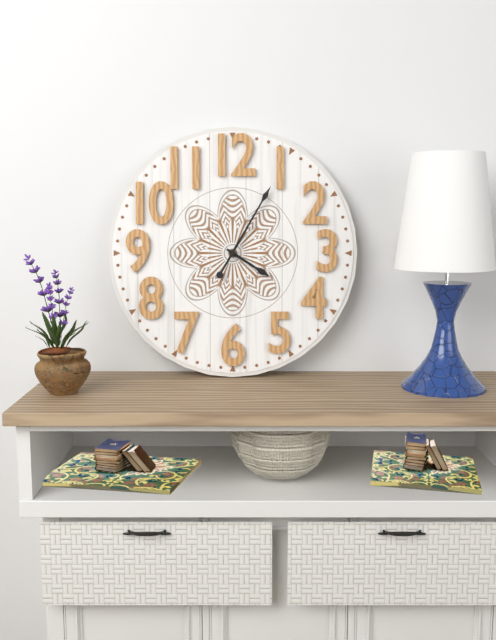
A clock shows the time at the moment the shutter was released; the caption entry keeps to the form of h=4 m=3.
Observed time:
h=4 m=5
